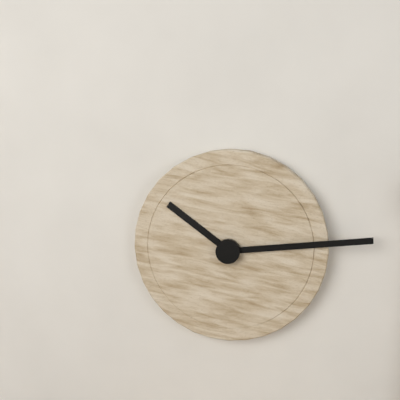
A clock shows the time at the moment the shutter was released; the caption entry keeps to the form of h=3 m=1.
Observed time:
h=10 m=14
